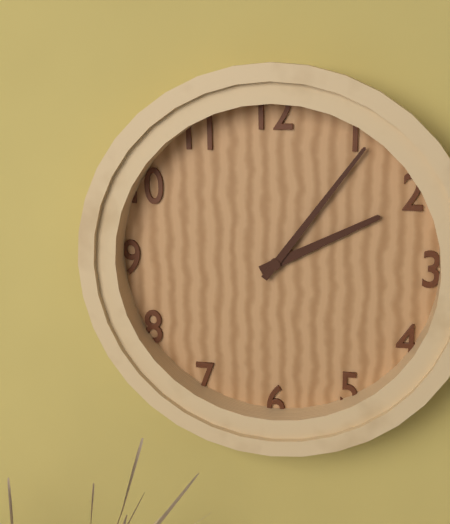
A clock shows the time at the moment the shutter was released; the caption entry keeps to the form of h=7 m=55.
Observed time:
h=2 m=6
